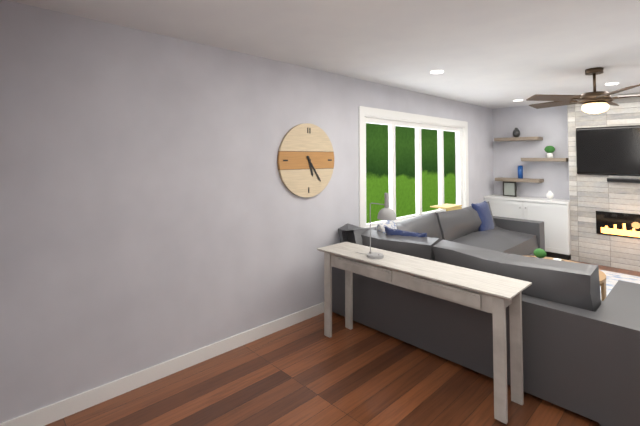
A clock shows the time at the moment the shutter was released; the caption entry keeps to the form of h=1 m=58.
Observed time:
h=5 m=24
